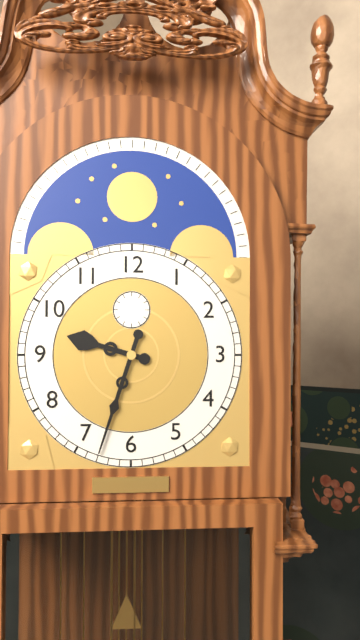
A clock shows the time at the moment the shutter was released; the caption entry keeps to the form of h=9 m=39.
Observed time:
h=9 m=33
